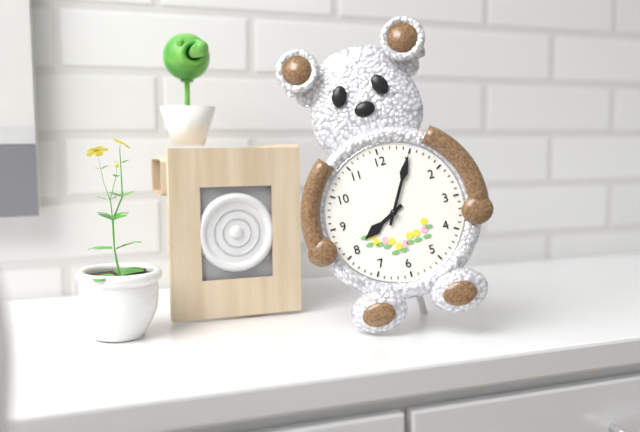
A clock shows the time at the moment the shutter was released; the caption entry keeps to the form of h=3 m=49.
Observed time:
h=8 m=5
